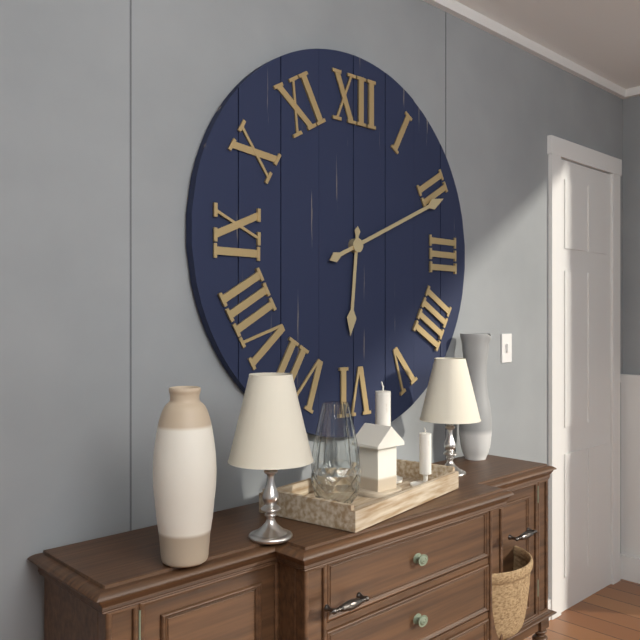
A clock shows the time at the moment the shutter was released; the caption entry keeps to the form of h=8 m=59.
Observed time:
h=6 m=11
